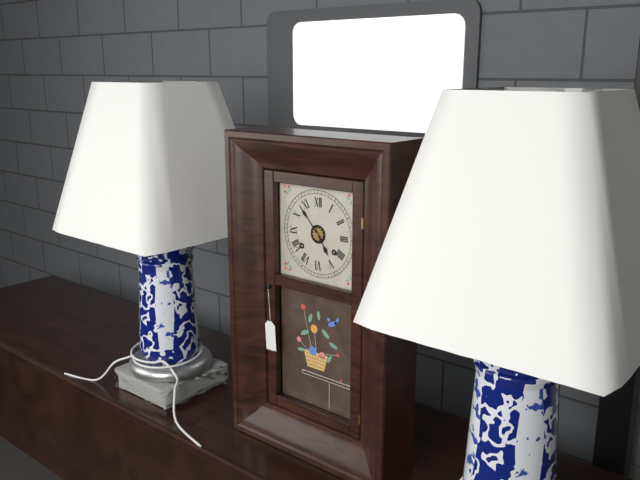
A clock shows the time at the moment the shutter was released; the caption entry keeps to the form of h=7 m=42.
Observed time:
h=4 m=53
